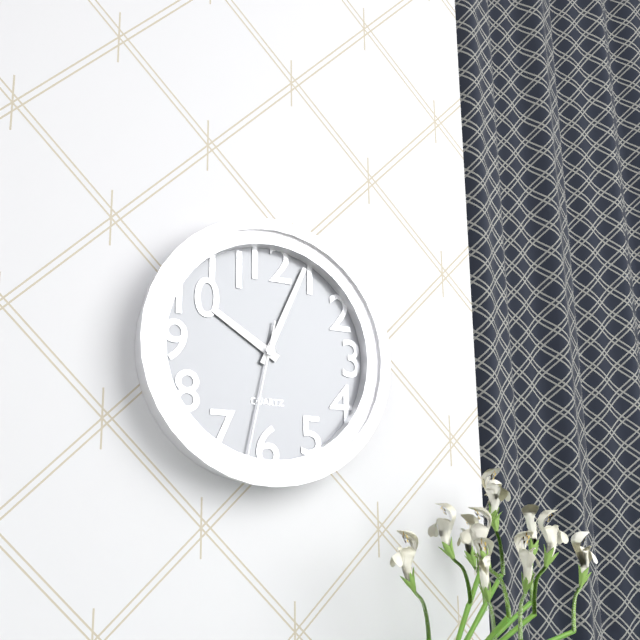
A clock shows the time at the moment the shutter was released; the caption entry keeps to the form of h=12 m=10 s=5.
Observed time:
h=10 m=4 s=32
